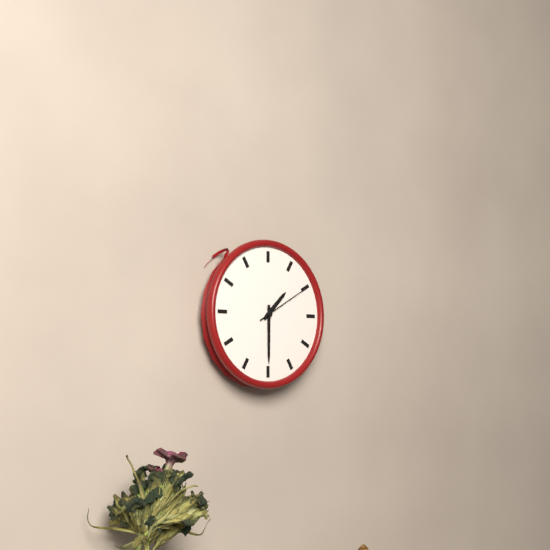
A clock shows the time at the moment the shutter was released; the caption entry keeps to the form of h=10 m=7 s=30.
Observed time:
h=1 m=30 s=10
